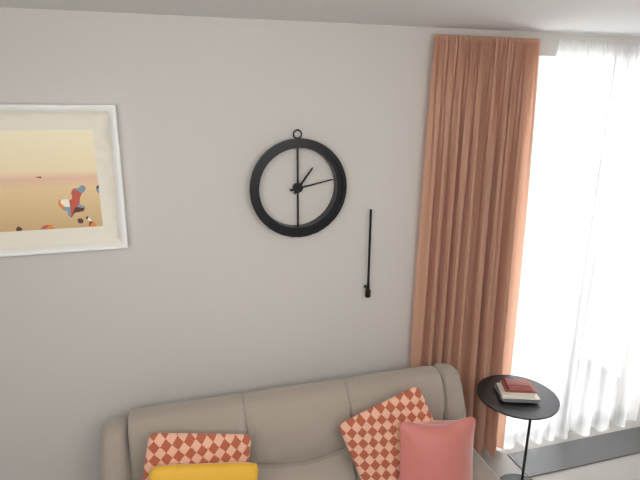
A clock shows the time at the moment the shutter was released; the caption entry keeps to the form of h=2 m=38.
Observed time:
h=1 m=13
